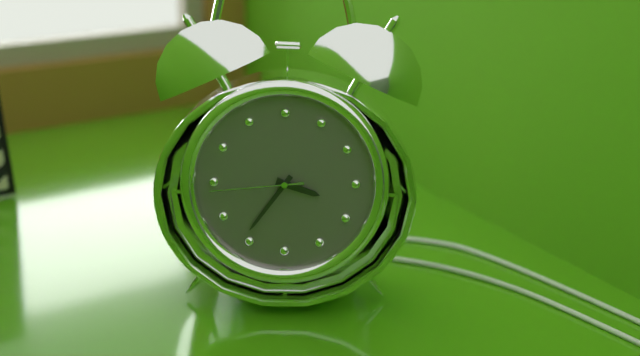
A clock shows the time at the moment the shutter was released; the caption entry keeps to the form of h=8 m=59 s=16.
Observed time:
h=3 m=36 s=44
